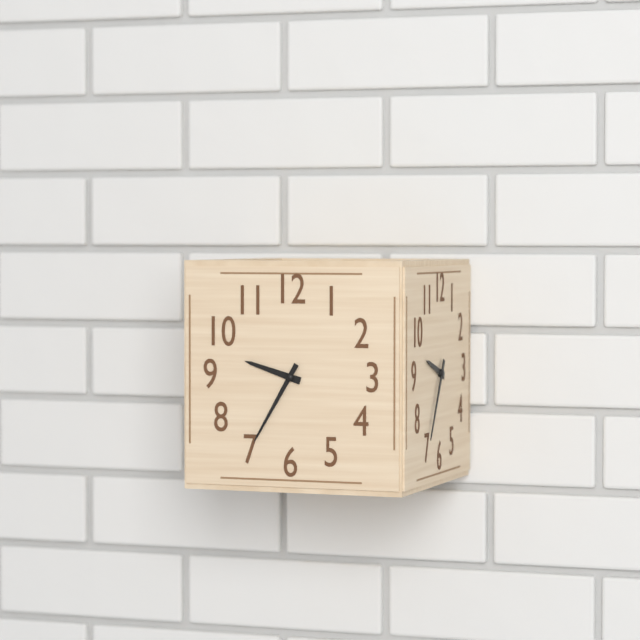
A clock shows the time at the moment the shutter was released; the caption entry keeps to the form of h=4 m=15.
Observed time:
h=9 m=35
